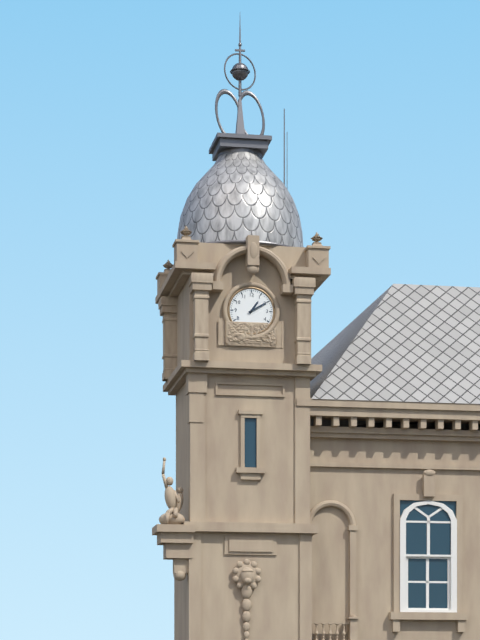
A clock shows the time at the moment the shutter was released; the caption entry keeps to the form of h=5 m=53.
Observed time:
h=1 m=10
